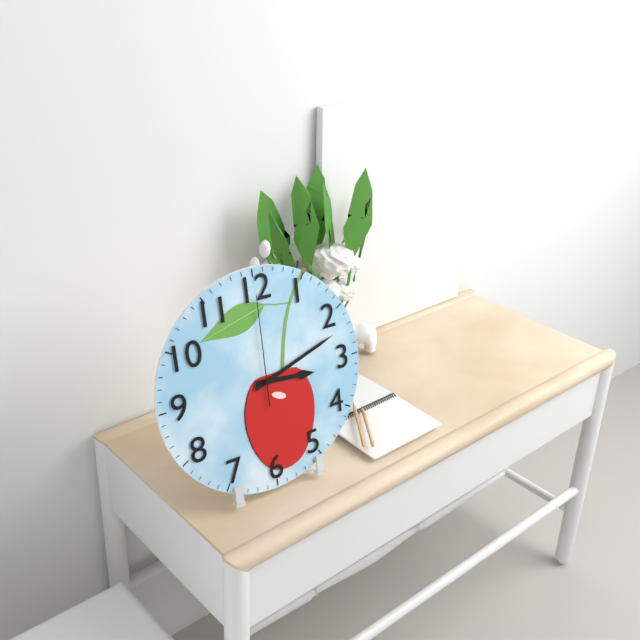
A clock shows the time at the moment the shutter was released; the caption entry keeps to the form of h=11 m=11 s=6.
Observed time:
h=3 m=12 s=0
